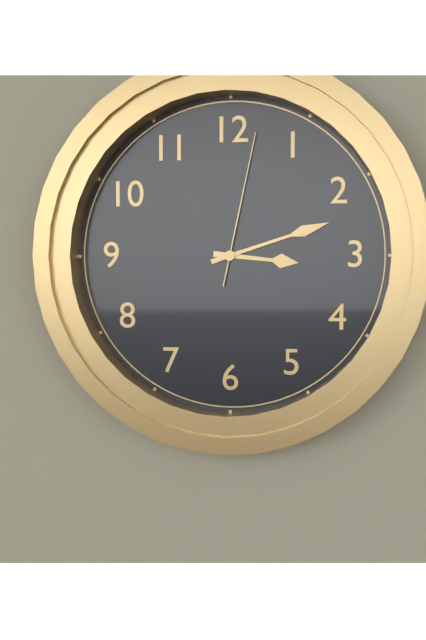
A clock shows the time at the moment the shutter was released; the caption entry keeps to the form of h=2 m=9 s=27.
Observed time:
h=3 m=12 s=2
